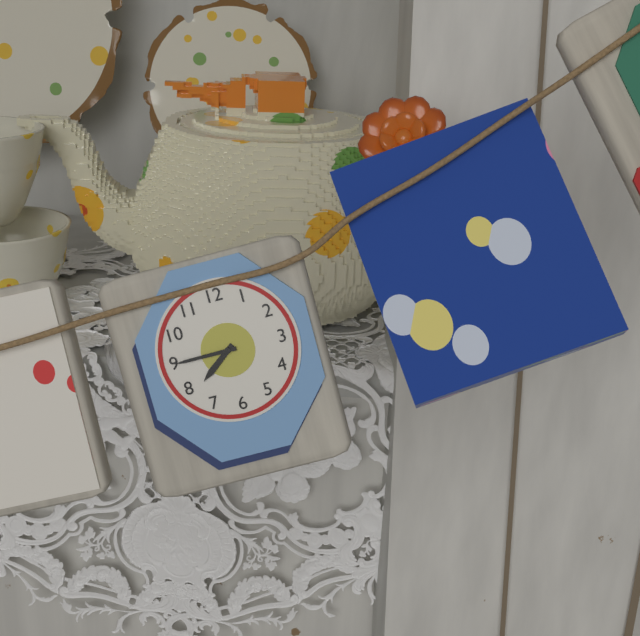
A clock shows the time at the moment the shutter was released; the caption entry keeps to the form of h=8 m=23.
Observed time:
h=7 m=45
